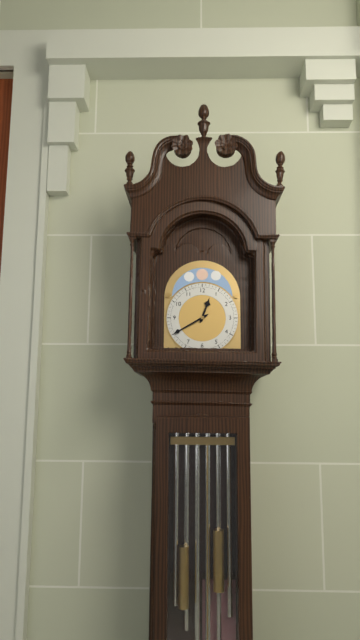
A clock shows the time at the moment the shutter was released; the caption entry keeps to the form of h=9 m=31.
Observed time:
h=12 m=40
